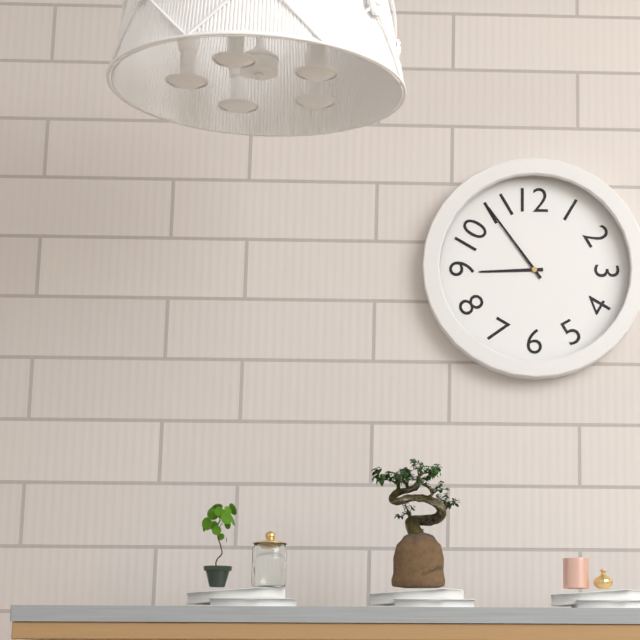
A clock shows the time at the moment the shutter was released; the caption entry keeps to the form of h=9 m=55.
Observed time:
h=8 m=54
